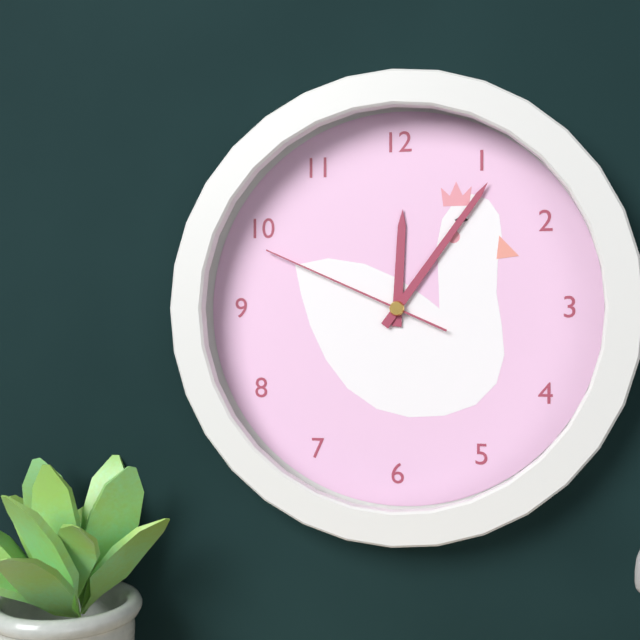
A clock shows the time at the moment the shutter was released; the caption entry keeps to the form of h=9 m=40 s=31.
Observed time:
h=12 m=6 s=49
